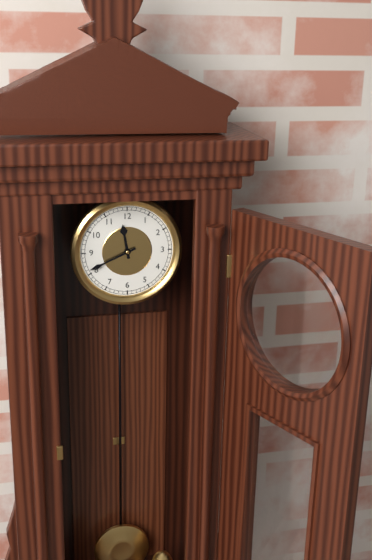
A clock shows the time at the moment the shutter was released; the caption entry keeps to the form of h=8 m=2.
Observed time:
h=11 m=41
